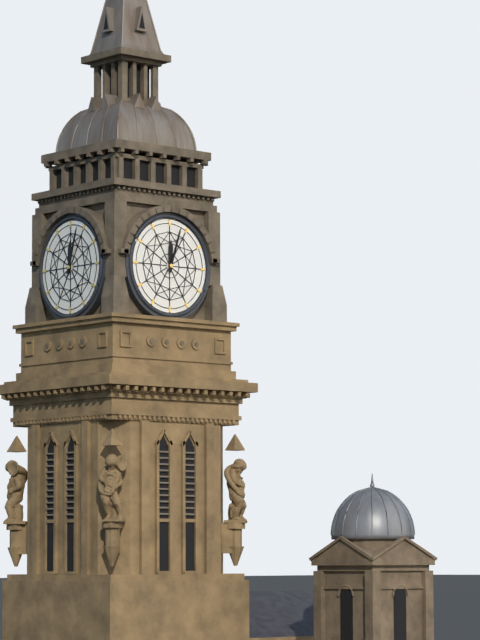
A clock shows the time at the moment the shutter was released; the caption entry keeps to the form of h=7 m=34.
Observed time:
h=12 m=3
